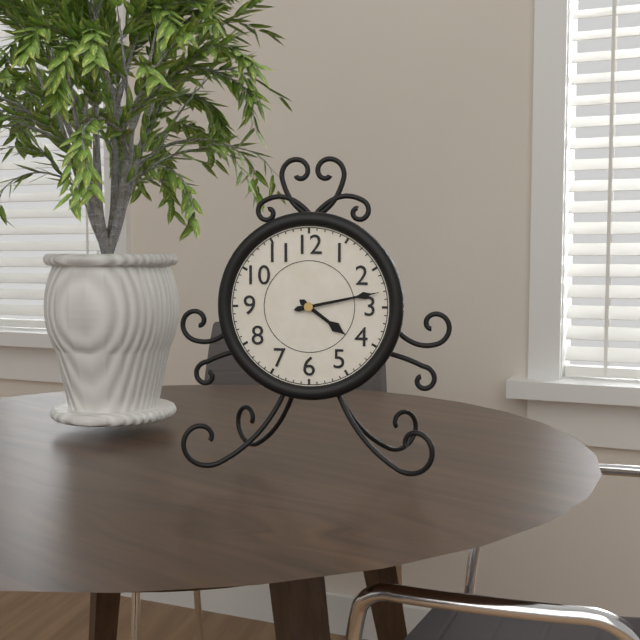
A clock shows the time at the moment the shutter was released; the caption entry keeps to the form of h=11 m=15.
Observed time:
h=4 m=13
